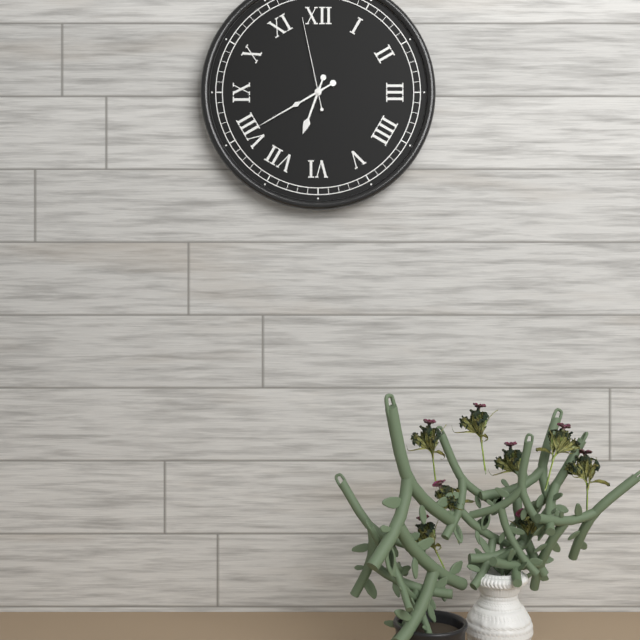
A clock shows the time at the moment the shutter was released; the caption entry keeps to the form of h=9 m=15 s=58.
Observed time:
h=6 m=40 s=58
